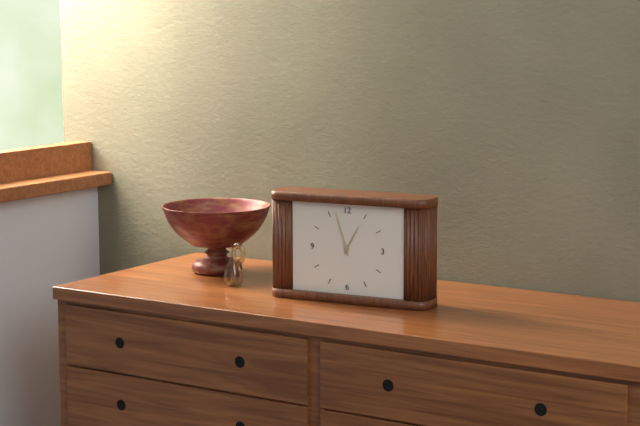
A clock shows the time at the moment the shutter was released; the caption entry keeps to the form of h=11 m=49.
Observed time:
h=12 m=57
